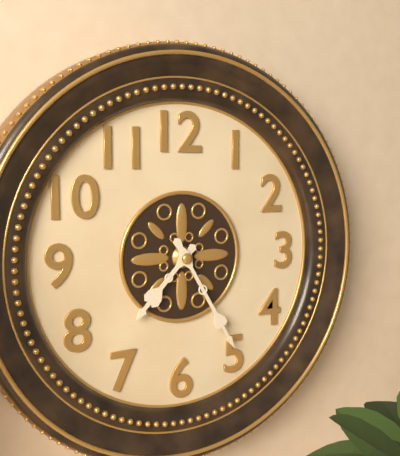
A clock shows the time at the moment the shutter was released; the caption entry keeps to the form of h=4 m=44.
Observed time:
h=7 m=25
